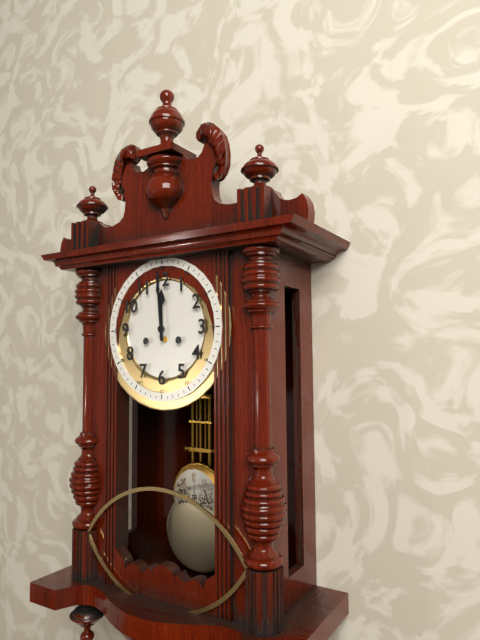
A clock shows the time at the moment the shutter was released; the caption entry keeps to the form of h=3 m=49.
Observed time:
h=11 m=59
